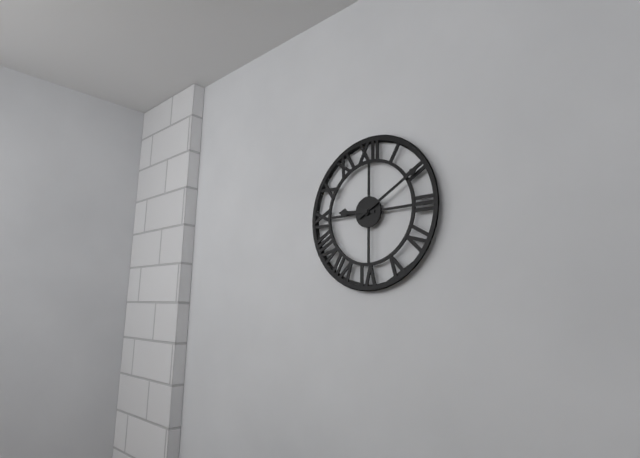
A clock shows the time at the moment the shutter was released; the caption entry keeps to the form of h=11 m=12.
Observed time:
h=9 m=10
